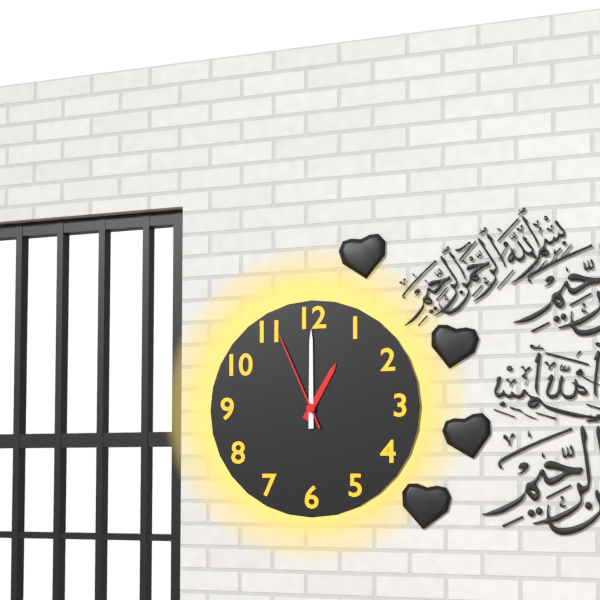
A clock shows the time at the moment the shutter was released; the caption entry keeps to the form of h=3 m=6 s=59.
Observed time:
h=1 m=0 s=56
